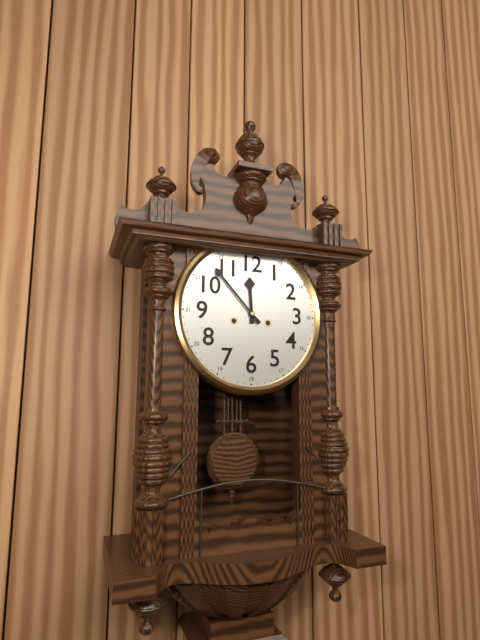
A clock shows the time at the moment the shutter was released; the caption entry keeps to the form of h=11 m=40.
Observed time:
h=11 m=53
